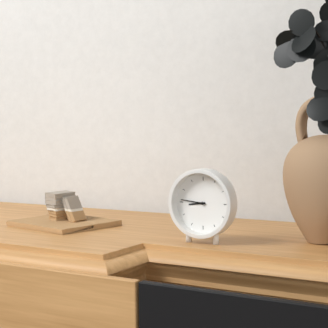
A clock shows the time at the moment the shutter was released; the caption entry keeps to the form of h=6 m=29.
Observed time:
h=8 m=46
